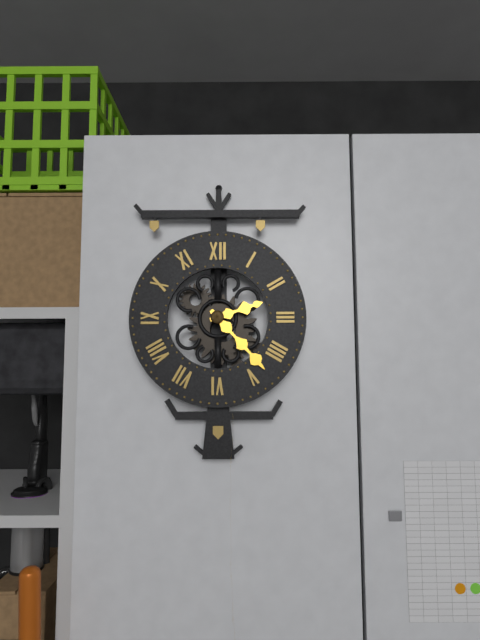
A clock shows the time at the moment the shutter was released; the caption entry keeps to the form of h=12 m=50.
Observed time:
h=2 m=23
